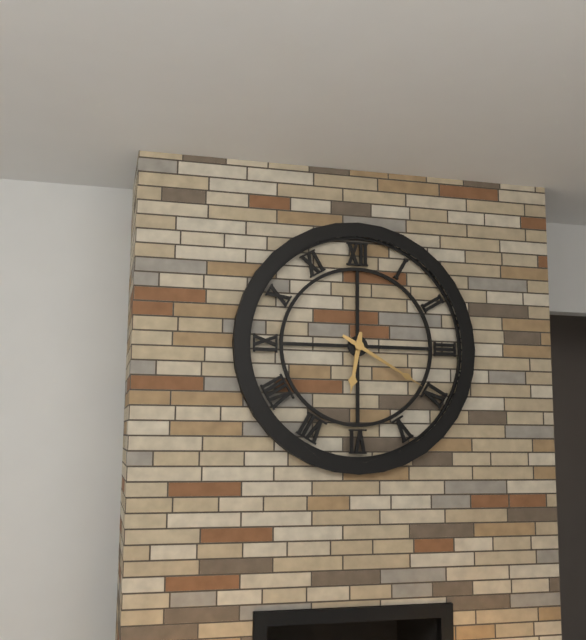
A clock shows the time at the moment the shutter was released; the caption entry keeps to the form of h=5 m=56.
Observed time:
h=6 m=20
